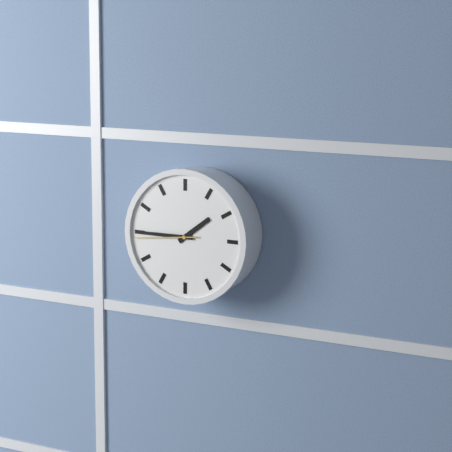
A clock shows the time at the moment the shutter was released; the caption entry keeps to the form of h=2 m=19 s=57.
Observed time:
h=1 m=45 s=44
